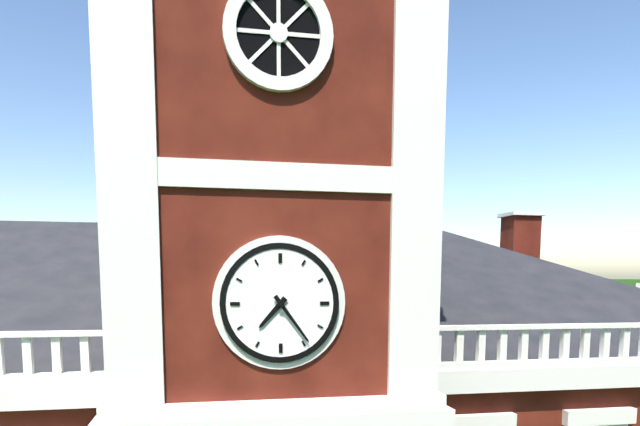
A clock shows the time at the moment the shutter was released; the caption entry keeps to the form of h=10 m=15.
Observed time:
h=7 m=24
